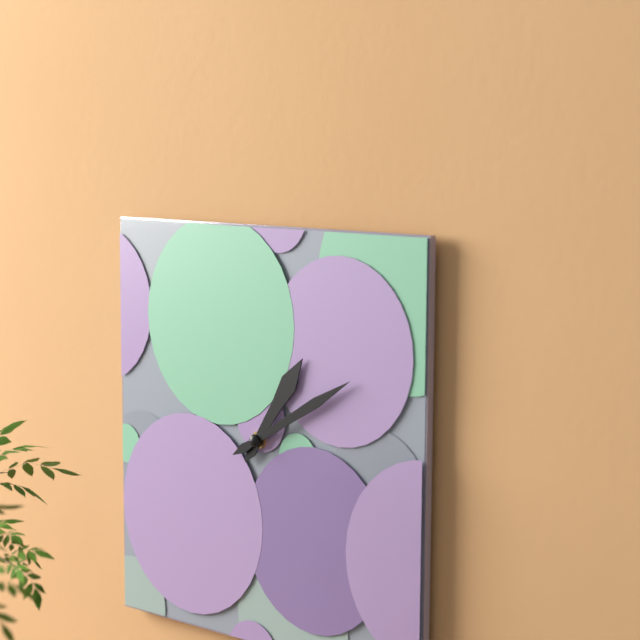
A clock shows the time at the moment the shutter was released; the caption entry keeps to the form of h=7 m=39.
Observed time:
h=1 m=10
